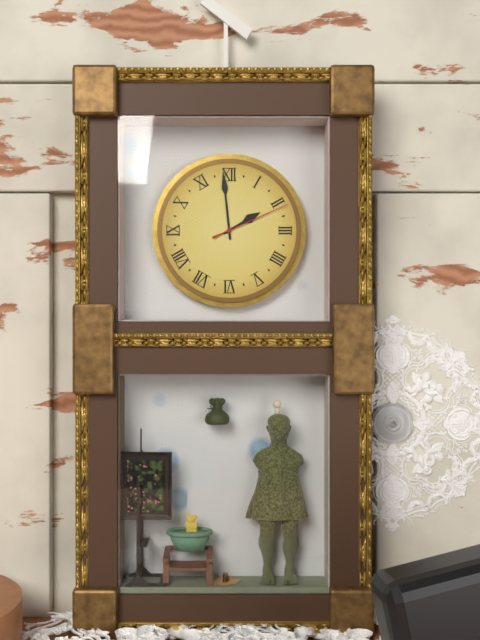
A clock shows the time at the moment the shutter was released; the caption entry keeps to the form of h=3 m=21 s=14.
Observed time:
h=1 m=59 s=11
